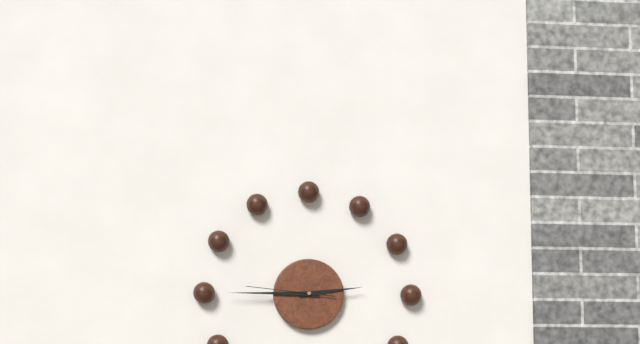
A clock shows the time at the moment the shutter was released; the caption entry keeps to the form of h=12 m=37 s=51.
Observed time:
h=2 m=45 s=46
